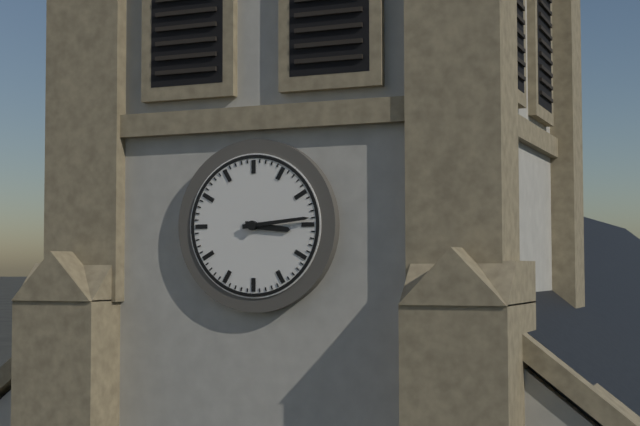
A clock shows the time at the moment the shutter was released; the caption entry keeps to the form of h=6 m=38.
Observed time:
h=3 m=14
